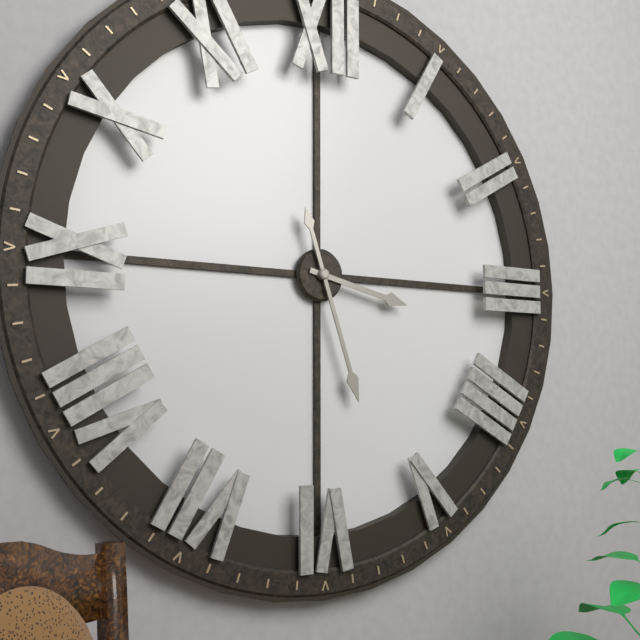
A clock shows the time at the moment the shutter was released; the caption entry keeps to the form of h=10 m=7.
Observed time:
h=3 m=27
